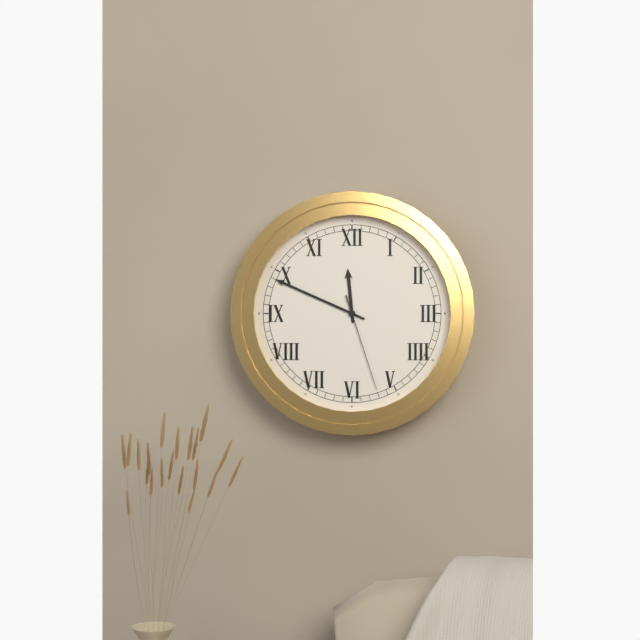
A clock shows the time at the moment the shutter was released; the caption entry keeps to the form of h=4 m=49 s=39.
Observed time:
h=11 m=49 s=27
